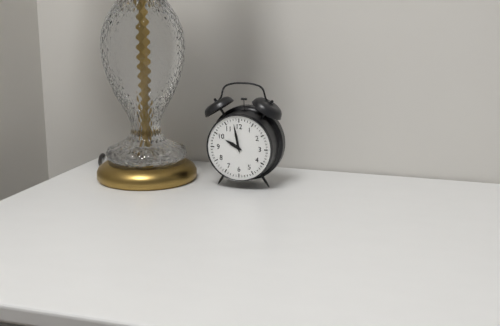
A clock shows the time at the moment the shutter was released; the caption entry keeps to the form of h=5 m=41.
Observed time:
h=9 m=58
